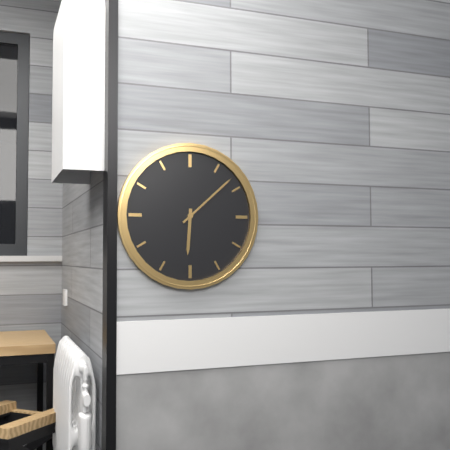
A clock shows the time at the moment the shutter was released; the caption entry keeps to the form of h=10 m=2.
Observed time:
h=6 m=8
